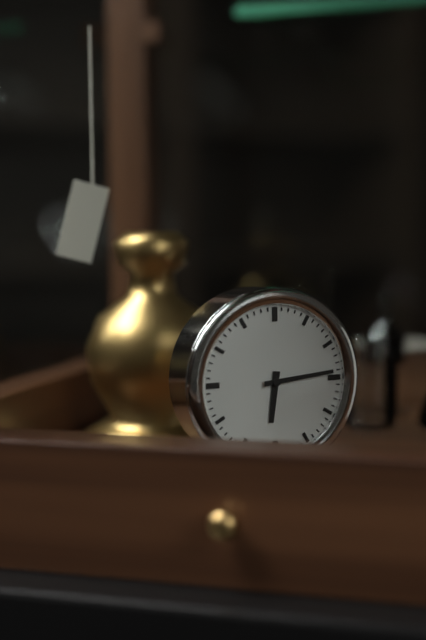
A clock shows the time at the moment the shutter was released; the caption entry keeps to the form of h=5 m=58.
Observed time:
h=6 m=14
